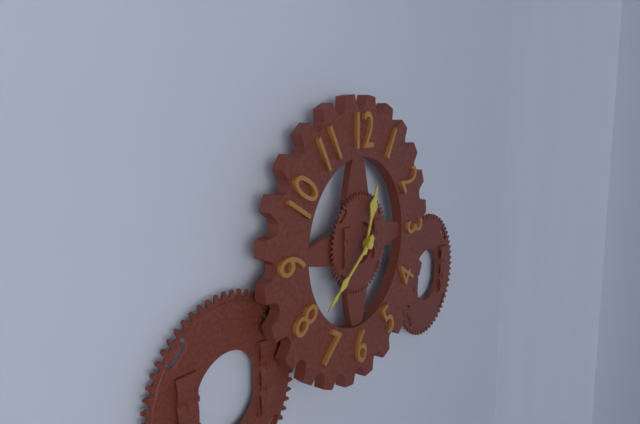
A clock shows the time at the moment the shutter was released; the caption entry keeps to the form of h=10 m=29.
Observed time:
h=12 m=39
